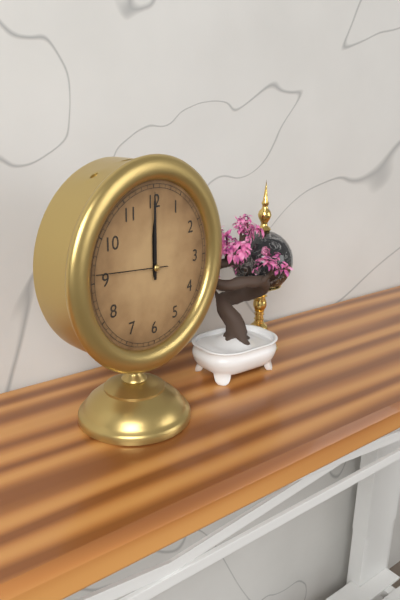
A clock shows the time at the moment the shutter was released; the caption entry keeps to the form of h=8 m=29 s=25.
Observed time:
h=12 m=0 s=46
